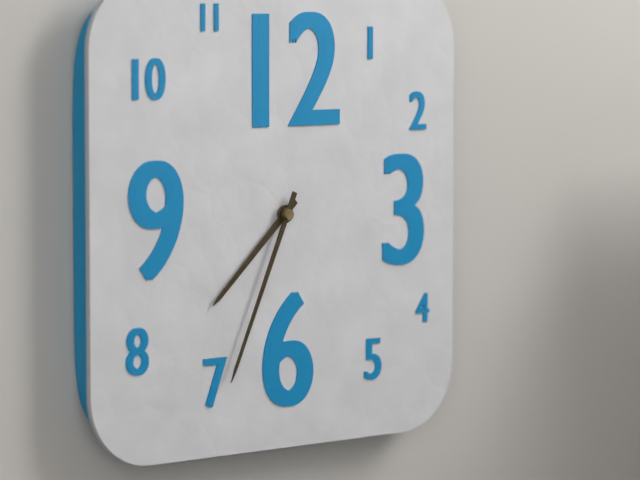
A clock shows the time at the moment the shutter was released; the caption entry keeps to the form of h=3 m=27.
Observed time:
h=7 m=34
